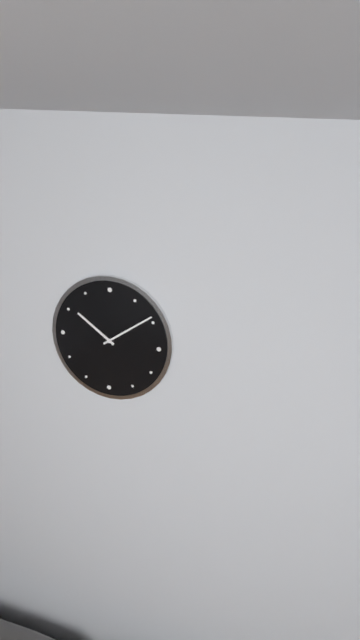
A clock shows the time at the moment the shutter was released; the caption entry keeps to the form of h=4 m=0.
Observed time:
h=10 m=9
